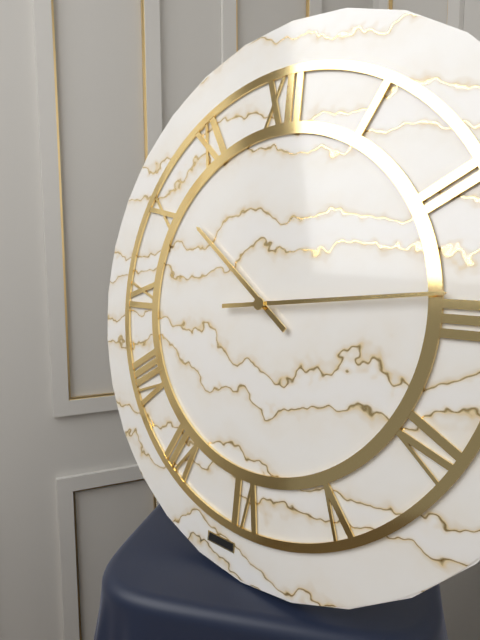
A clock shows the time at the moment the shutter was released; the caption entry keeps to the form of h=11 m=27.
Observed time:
h=10 m=14
